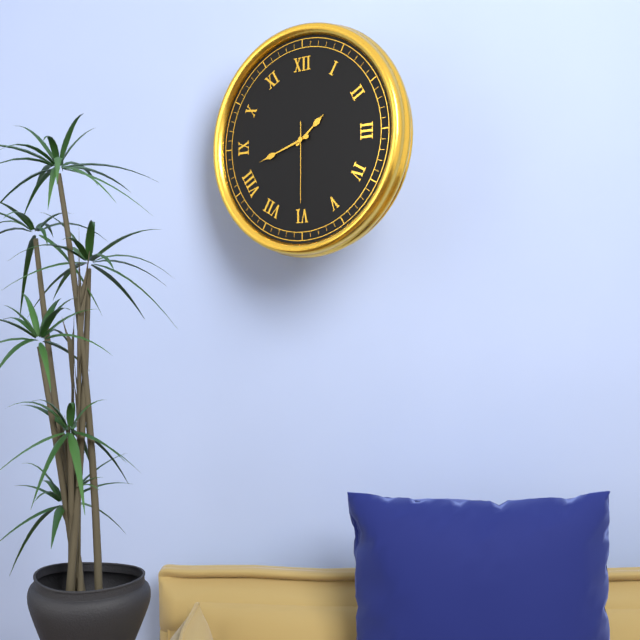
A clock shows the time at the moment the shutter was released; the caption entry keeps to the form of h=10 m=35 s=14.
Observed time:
h=1 m=42 s=30
